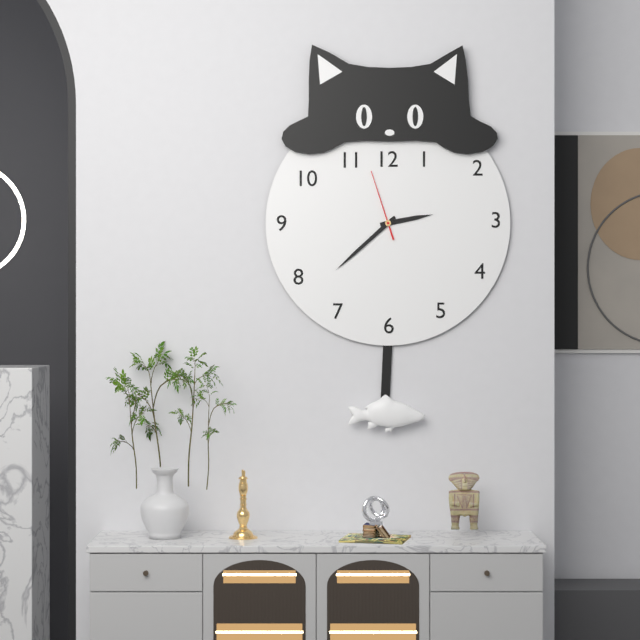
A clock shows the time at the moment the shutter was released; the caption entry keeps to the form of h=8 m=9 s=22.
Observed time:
h=2 m=38 s=57
